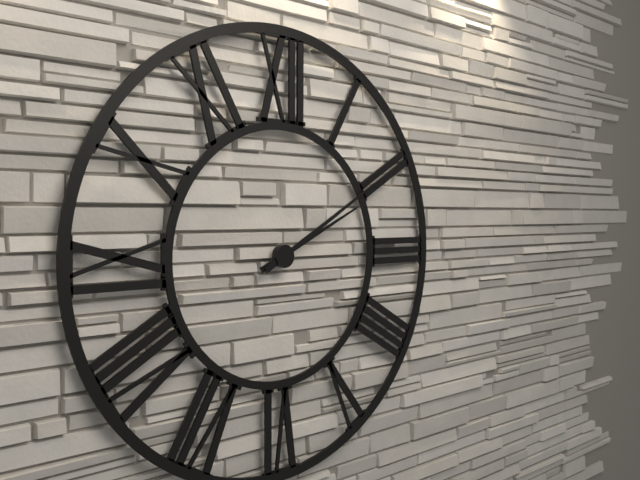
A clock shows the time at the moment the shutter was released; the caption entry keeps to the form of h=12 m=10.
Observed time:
h=2 m=10
